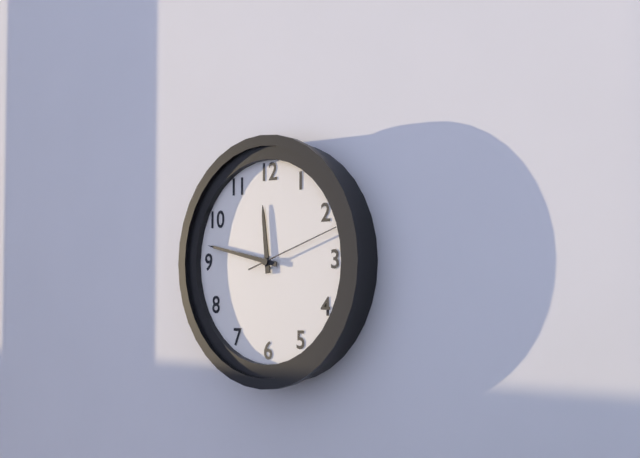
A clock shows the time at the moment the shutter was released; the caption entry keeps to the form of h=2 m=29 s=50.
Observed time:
h=11 m=47 s=12
